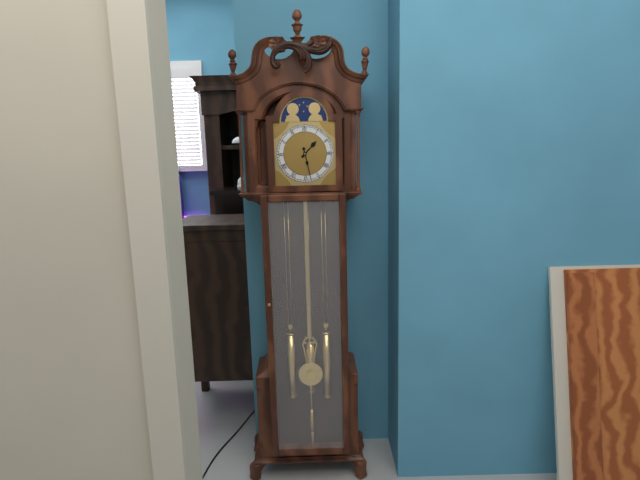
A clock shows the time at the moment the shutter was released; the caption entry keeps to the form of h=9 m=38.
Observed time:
h=1 m=28
